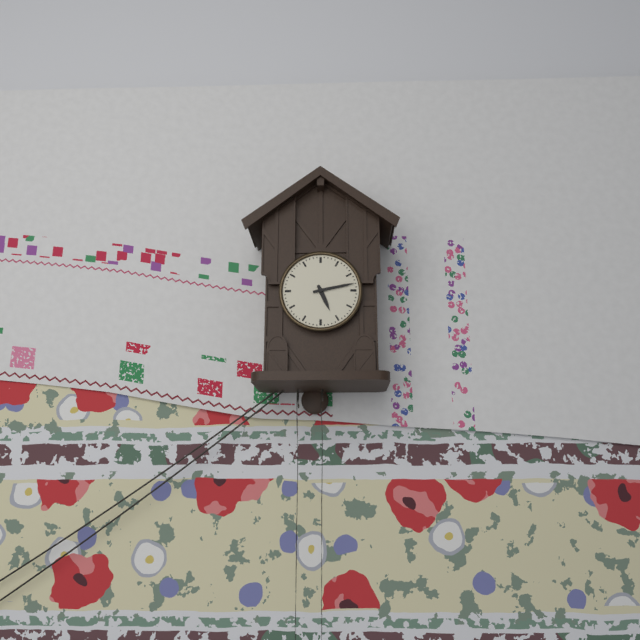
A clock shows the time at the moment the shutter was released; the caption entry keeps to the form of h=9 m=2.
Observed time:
h=5 m=13
